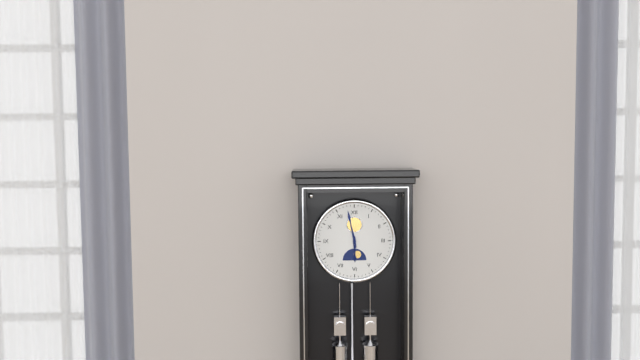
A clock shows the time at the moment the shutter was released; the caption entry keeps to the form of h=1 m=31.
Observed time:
h=5 m=58
